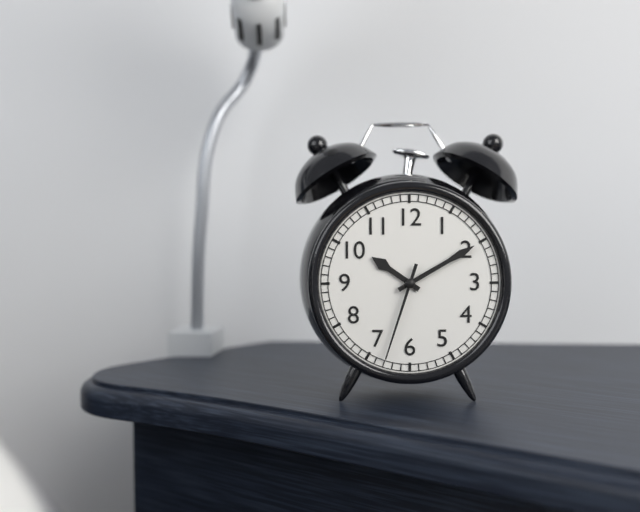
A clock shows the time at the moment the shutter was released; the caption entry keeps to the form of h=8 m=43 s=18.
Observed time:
h=10 m=10 s=33
